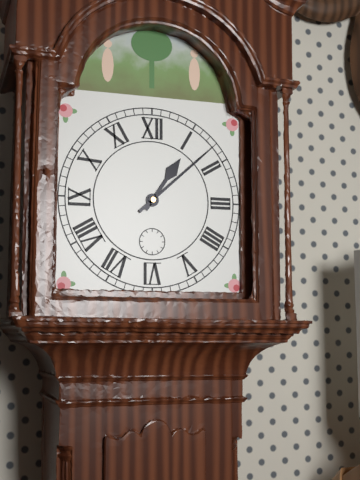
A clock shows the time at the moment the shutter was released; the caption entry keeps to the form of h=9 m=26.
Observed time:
h=1 m=8
